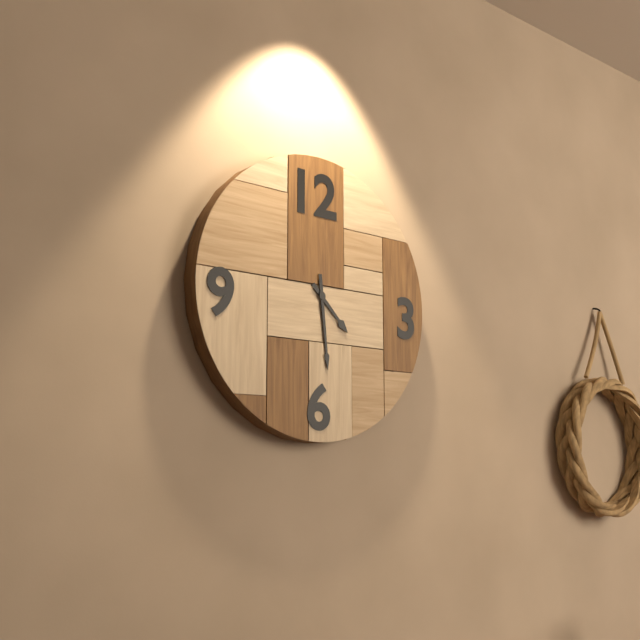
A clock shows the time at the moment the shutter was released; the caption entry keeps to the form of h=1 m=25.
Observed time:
h=4 m=29
